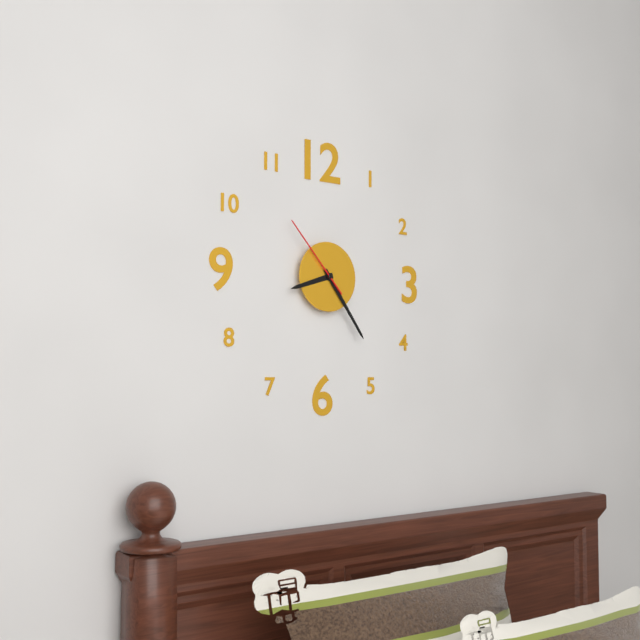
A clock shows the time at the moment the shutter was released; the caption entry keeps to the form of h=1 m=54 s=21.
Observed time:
h=8 m=24 s=53
